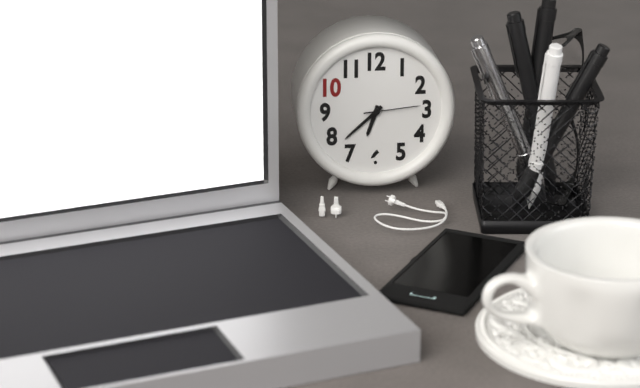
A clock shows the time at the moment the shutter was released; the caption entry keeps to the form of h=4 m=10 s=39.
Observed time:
h=6 m=38 s=14
